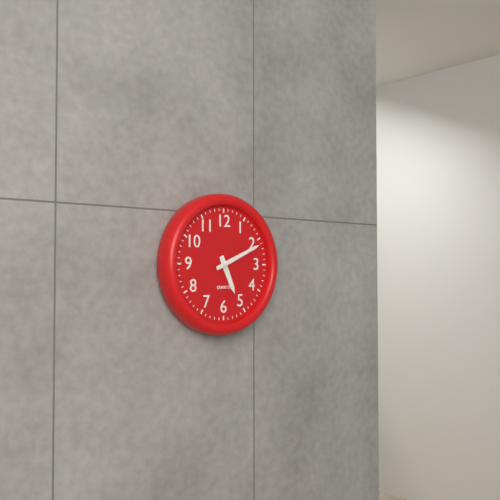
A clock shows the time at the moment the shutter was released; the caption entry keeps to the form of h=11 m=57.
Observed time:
h=5 m=11
